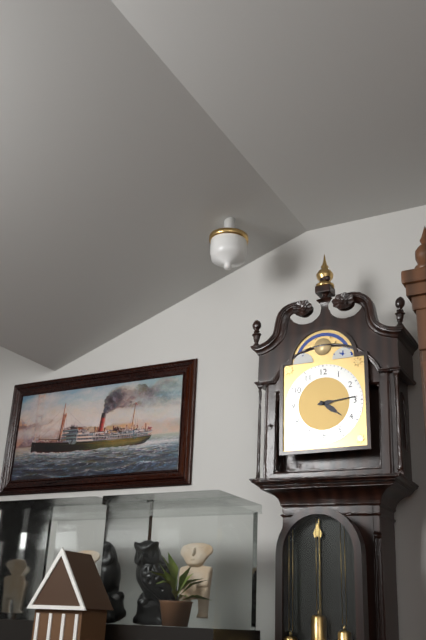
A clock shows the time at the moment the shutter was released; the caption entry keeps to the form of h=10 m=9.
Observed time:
h=4 m=14
